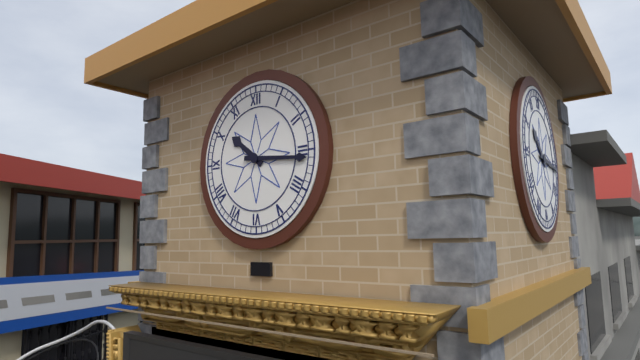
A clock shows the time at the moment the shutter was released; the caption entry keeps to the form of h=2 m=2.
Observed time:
h=10 m=16
